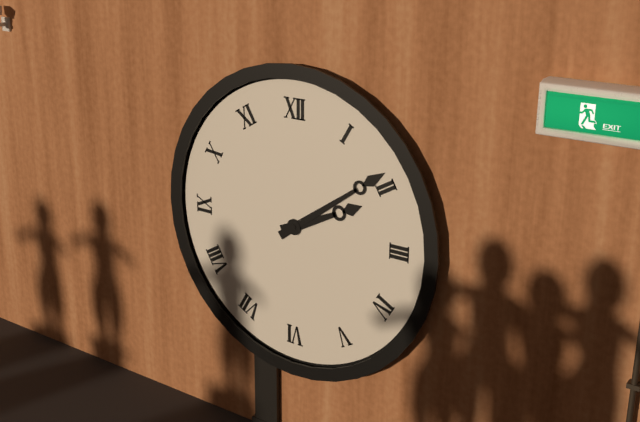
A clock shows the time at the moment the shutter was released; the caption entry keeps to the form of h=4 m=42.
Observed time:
h=2 m=9
